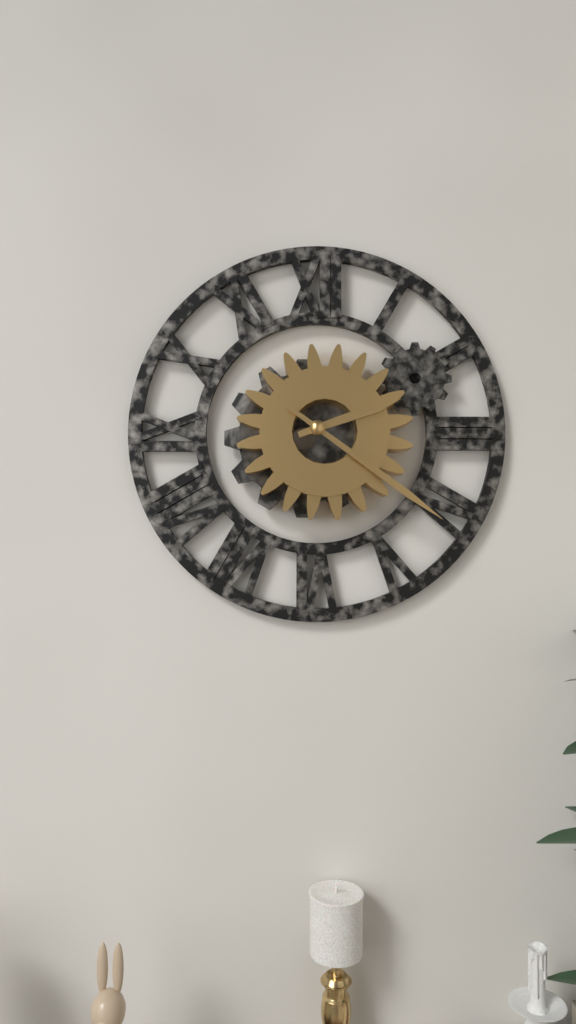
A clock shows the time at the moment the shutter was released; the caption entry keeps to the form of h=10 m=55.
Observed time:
h=2 m=21
